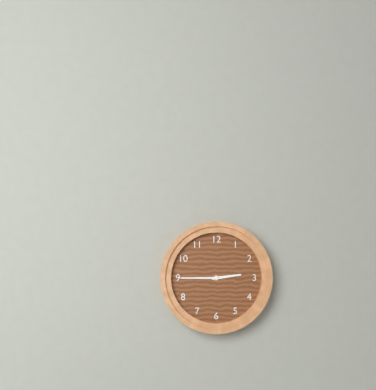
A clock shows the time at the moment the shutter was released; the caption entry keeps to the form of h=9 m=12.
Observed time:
h=2 m=45
